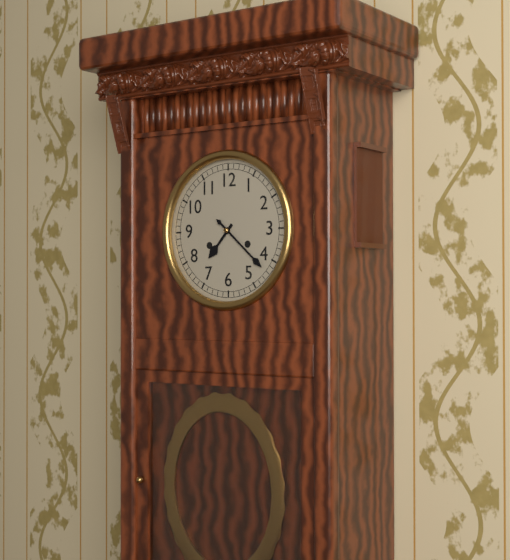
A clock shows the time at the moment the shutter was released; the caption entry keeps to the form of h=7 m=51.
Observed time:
h=7 m=22
